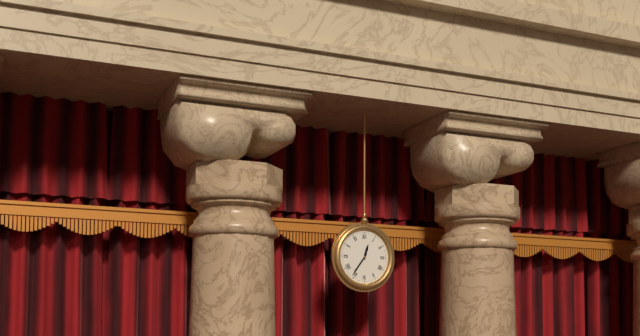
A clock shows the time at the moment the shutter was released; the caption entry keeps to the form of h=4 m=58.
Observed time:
h=12 m=36
